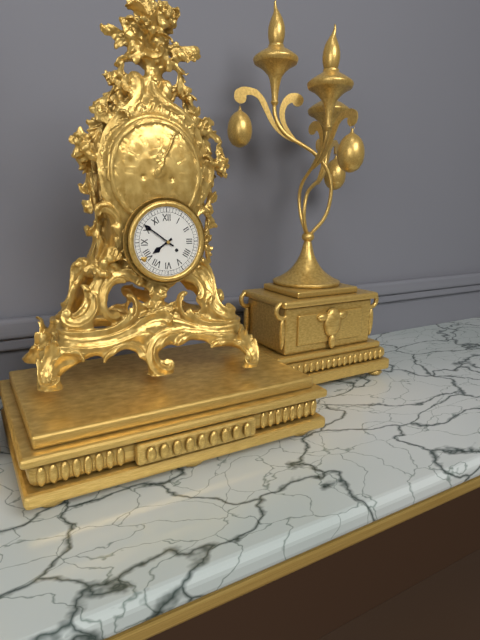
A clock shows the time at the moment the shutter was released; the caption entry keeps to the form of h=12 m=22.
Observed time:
h=7 m=51
